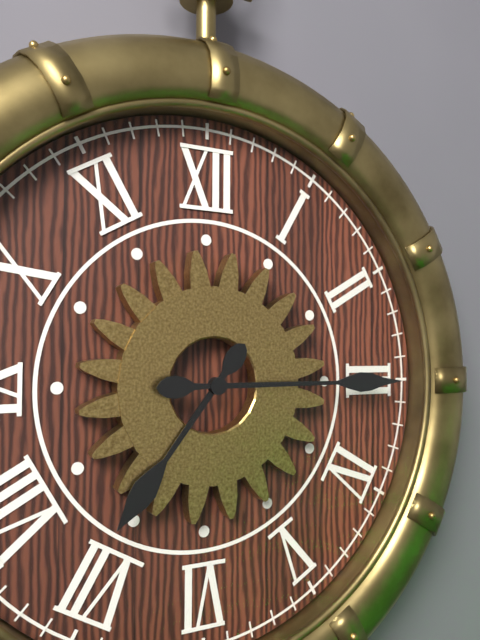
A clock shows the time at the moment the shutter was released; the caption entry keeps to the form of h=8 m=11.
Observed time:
h=7 m=15
